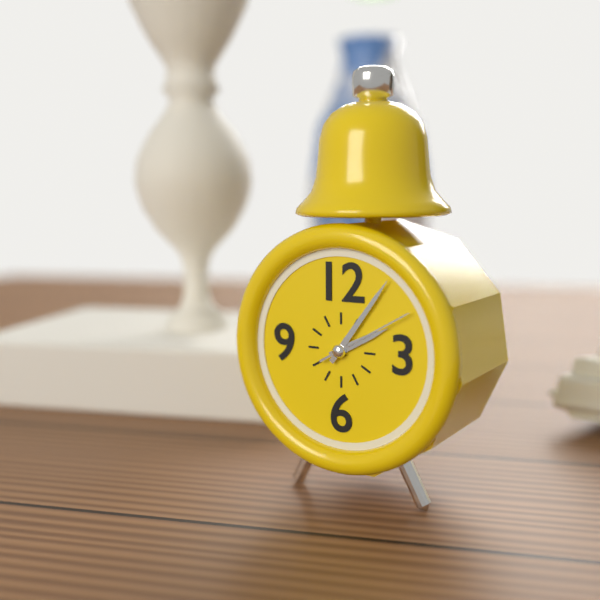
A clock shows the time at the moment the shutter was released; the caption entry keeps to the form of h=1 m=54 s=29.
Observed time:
h=2 m=6 s=10
